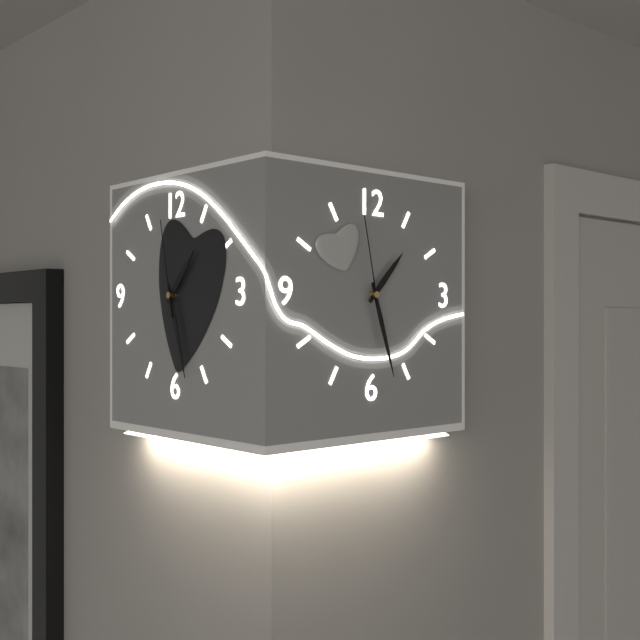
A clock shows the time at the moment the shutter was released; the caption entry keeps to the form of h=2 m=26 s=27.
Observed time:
h=1 m=27 s=58
